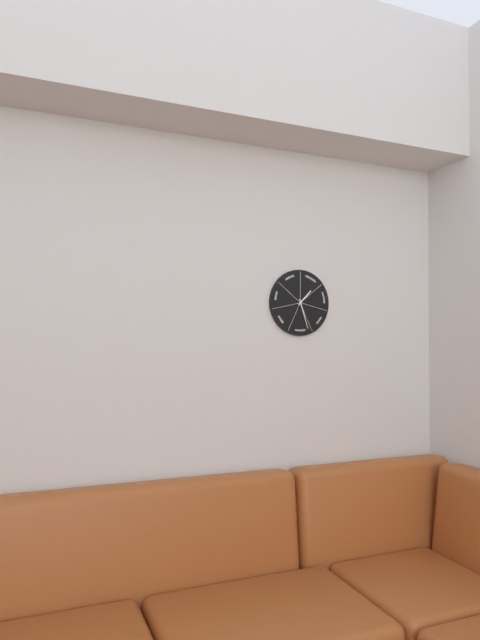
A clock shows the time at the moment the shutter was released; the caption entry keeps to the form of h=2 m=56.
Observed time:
h=1 m=27
